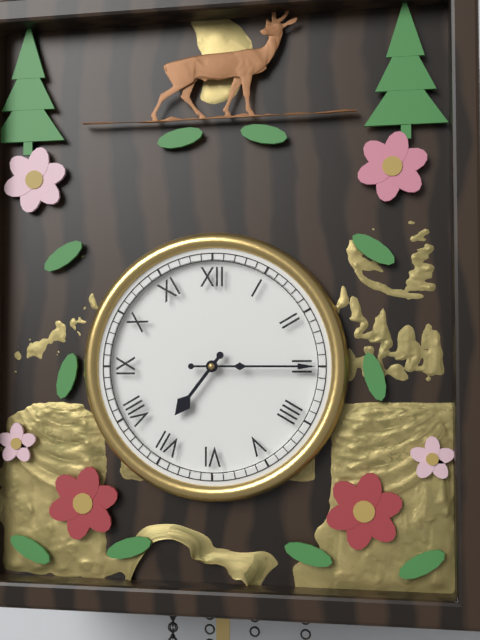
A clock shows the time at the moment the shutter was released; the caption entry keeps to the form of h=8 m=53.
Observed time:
h=7 m=15
